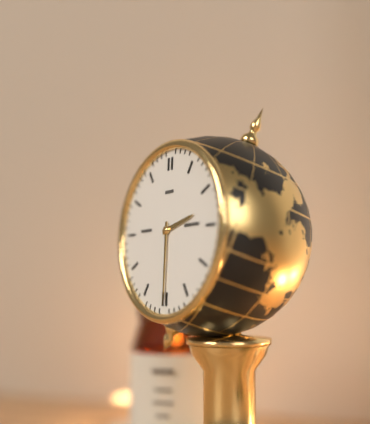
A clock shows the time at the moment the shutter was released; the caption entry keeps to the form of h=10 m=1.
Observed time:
h=2 m=30
